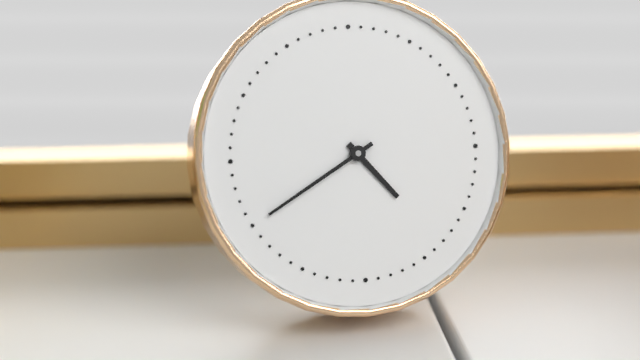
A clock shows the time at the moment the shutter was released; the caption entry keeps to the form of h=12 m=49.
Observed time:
h=4 m=40
